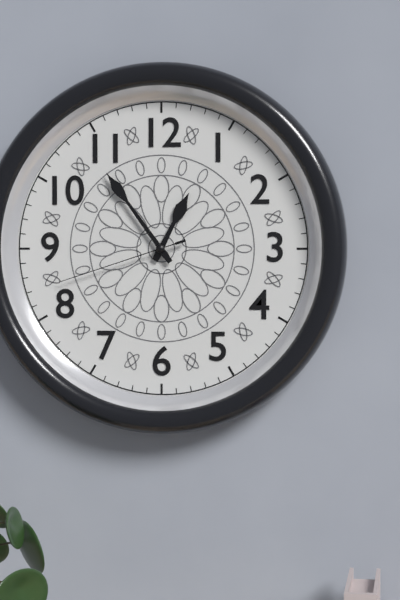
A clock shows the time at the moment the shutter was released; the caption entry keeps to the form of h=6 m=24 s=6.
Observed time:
h=12 m=54 s=42
